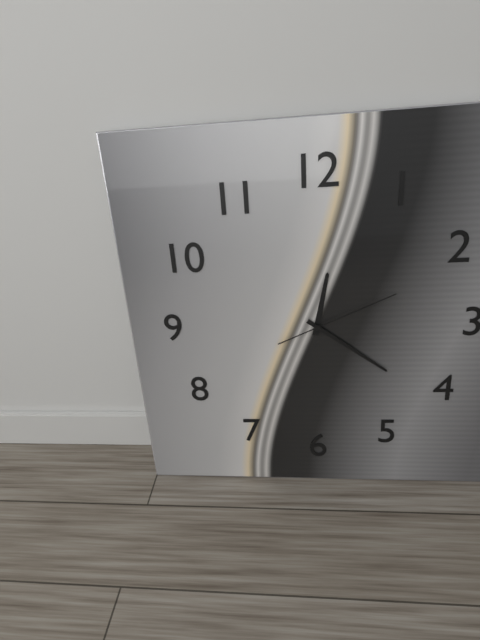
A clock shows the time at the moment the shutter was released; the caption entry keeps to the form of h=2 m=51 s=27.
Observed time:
h=12 m=21 s=11
